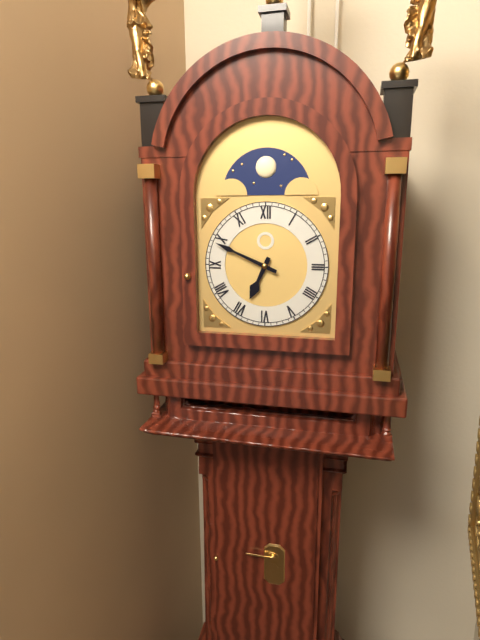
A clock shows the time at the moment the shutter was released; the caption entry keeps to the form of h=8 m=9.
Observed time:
h=6 m=49
